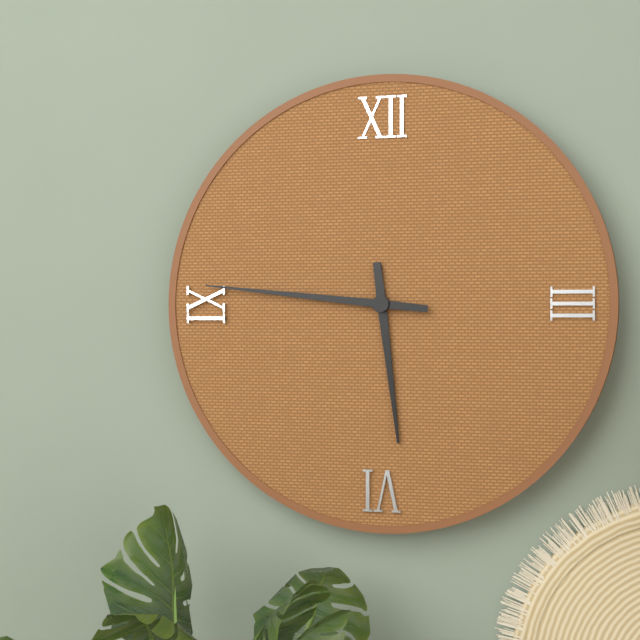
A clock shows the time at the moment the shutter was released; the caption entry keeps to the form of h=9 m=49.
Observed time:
h=5 m=46
